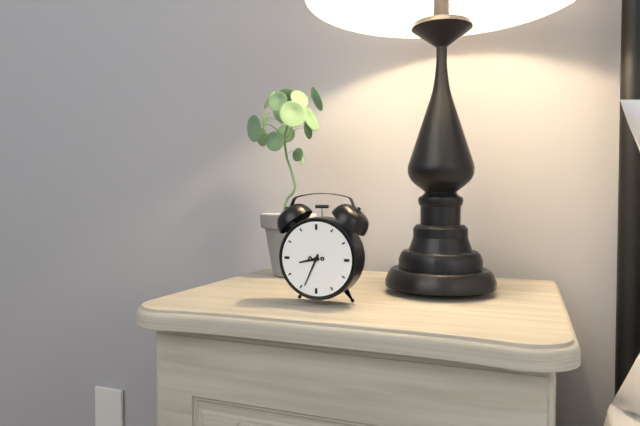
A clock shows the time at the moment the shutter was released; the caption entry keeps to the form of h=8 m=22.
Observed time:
h=8 m=34
